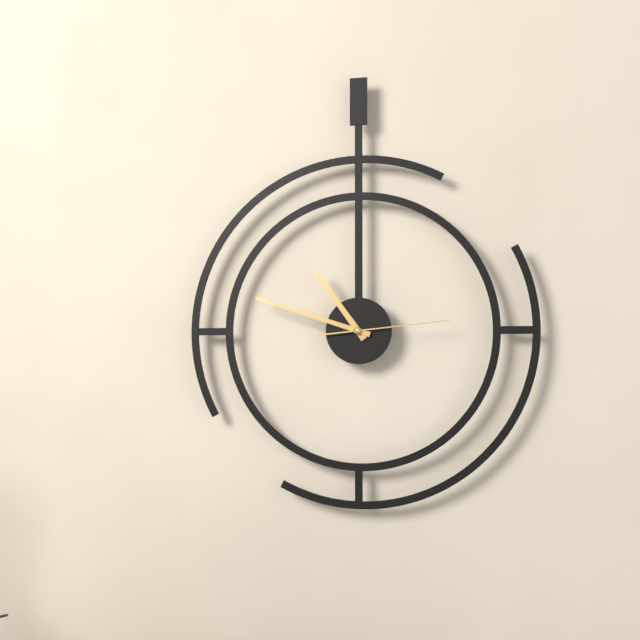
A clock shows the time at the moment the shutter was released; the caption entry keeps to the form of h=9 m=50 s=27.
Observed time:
h=10 m=48 s=14
